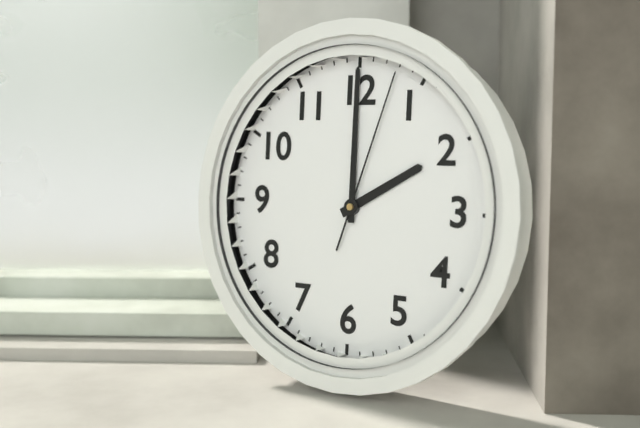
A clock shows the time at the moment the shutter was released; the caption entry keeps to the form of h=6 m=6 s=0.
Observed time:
h=2 m=0 s=3
